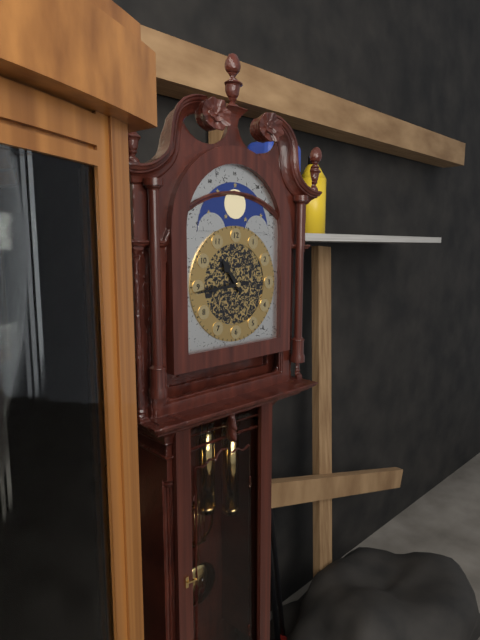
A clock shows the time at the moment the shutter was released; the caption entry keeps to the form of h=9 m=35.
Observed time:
h=10 m=44
